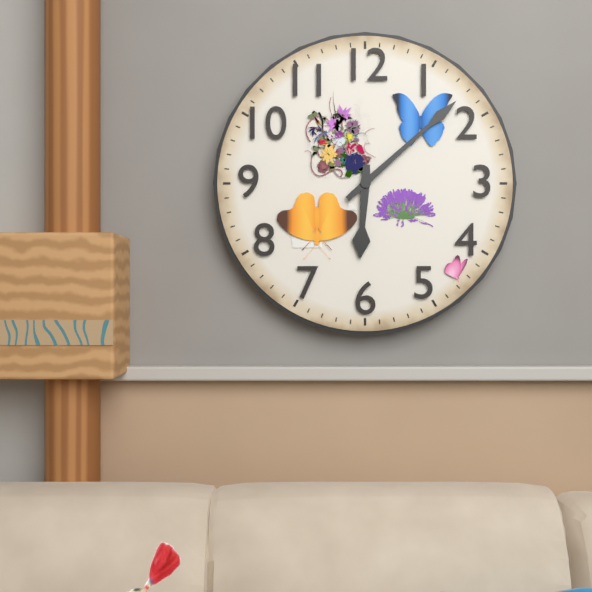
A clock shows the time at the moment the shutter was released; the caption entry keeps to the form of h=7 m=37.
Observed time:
h=6 m=8
